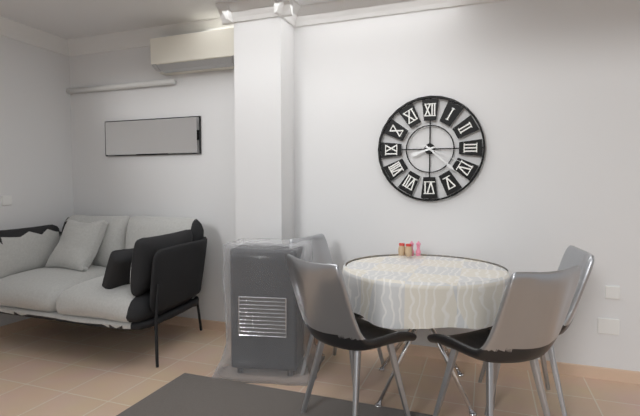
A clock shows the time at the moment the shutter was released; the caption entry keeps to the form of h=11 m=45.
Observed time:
h=8 m=22
